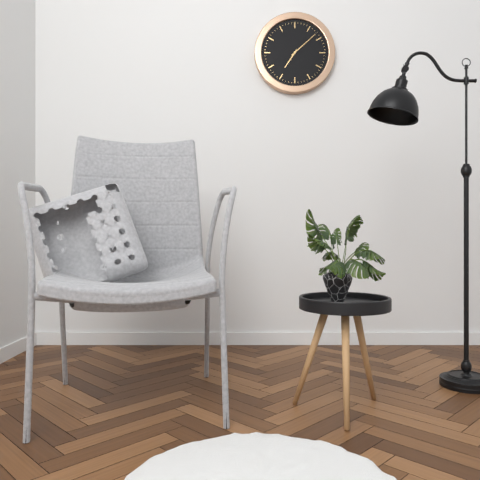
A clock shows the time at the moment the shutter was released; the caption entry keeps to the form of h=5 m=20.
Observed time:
h=7 m=8
